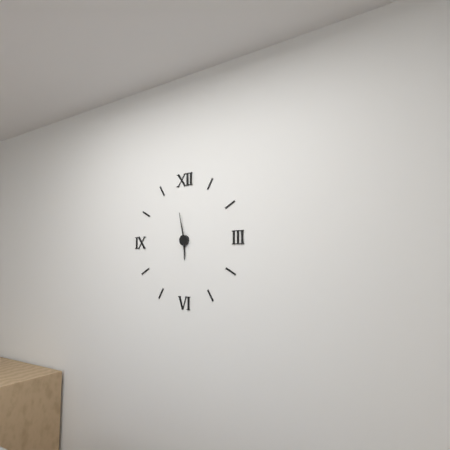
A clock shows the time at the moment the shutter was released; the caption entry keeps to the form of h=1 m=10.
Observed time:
h=5 m=58
